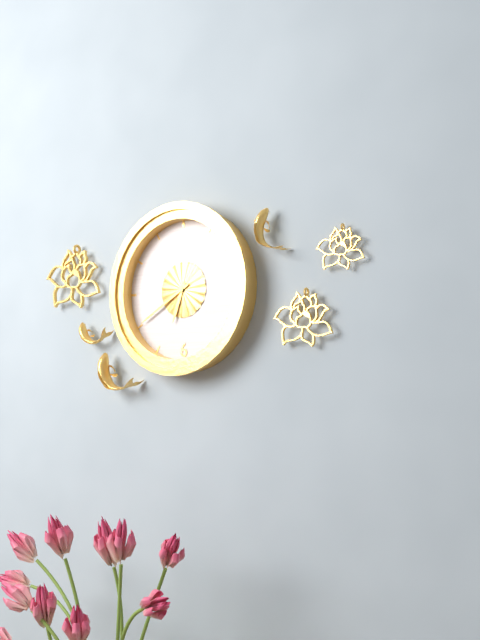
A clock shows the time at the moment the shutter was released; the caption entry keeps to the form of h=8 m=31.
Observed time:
h=6 m=40
